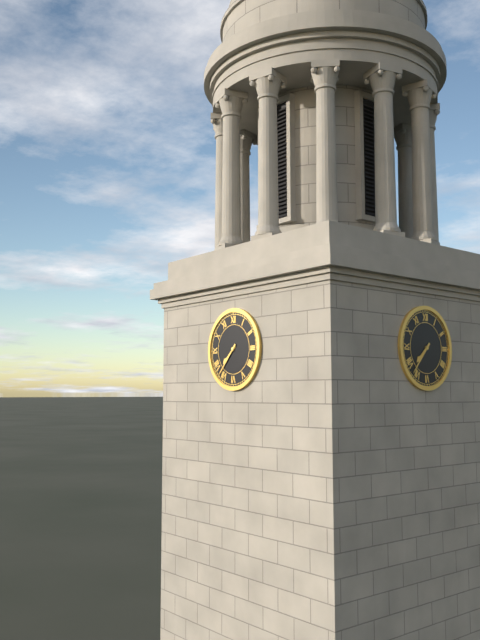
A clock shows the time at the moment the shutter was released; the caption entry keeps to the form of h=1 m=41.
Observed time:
h=7 m=37
